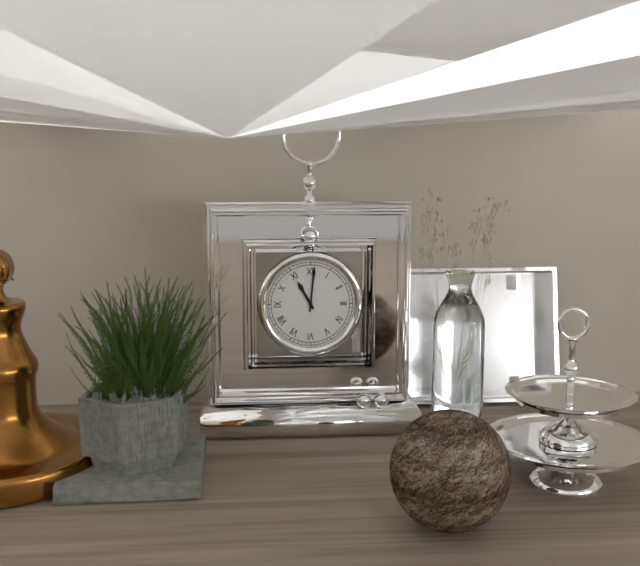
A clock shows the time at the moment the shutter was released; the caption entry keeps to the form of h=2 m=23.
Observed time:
h=11 m=1
